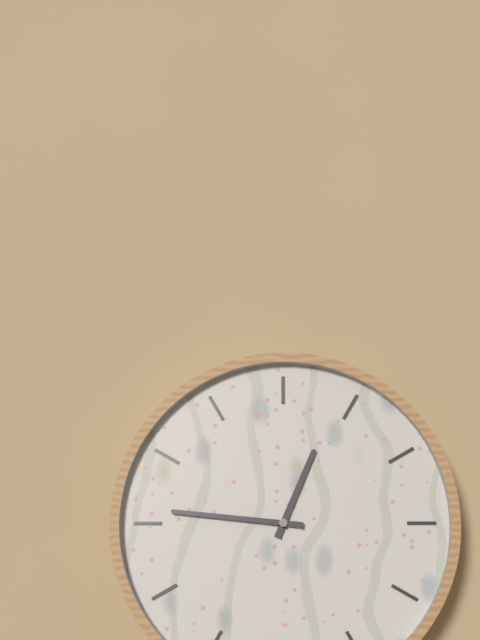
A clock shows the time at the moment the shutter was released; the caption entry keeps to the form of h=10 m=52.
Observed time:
h=12 m=46
